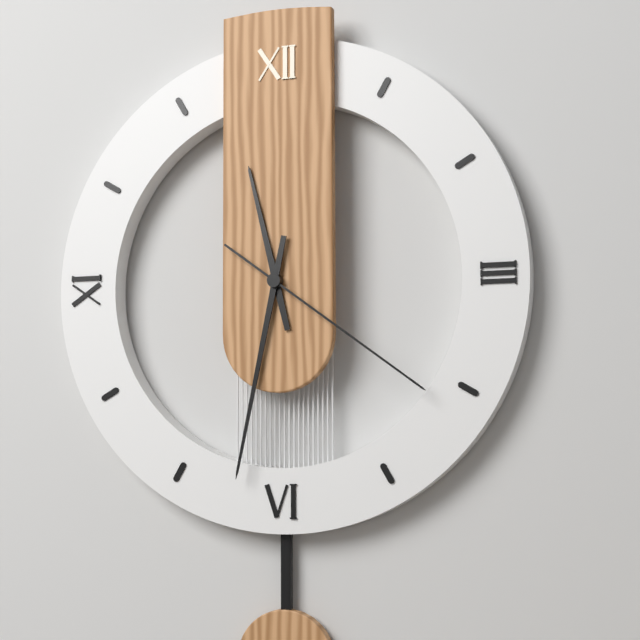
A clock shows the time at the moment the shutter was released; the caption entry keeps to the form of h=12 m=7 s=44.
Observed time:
h=11 m=32 s=21
